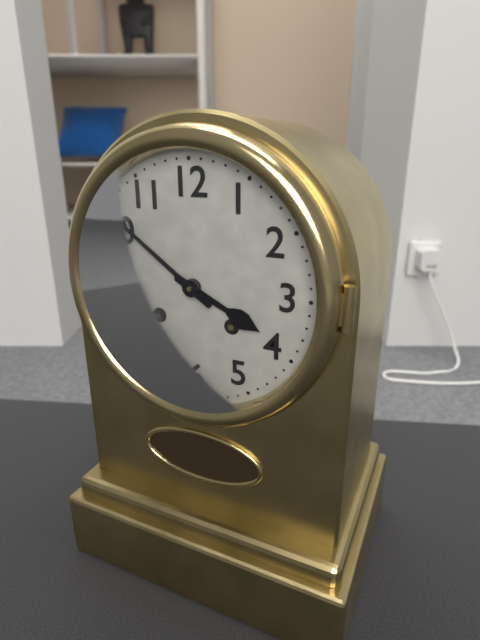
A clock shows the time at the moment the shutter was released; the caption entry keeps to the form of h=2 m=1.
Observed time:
h=3 m=51
